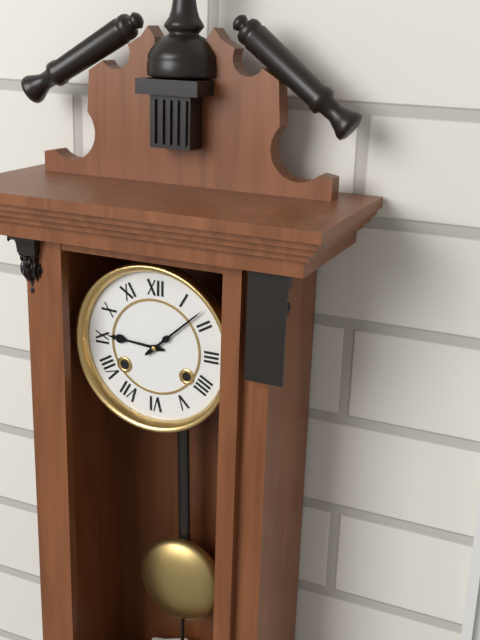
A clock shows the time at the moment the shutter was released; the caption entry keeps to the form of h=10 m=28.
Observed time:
h=9 m=8
